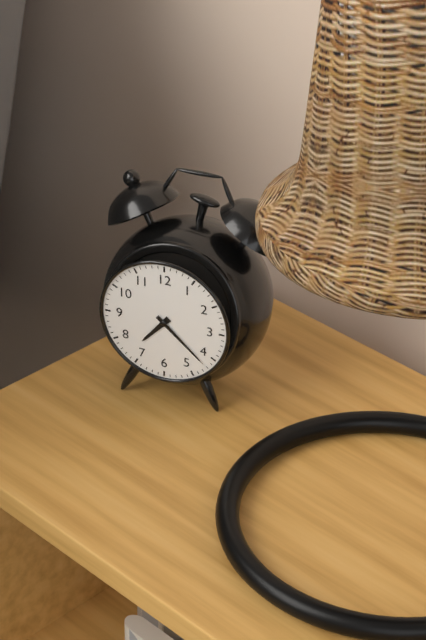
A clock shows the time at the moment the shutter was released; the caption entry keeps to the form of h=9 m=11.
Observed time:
h=7 m=22
